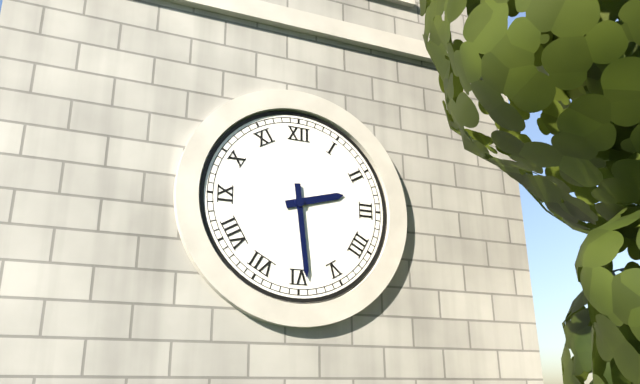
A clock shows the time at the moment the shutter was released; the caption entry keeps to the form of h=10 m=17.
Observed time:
h=2 m=29
